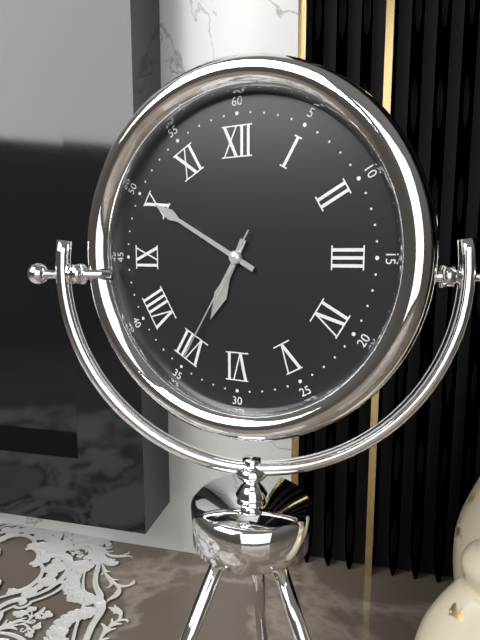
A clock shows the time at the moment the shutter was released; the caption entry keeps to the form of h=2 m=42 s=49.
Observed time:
h=6 m=50 s=35
